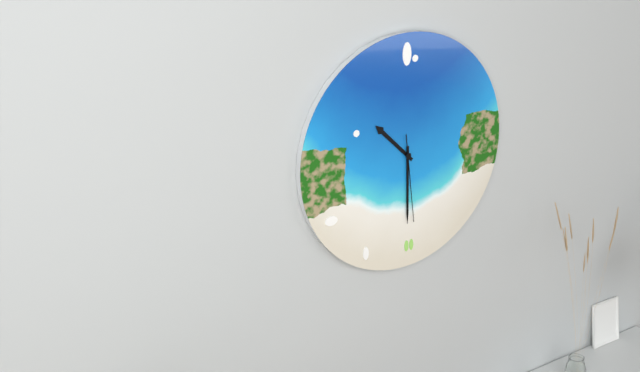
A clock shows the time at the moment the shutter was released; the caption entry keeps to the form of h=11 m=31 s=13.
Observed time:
h=10 m=30 s=29
